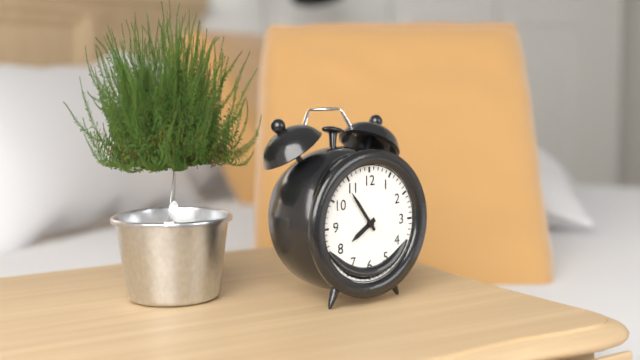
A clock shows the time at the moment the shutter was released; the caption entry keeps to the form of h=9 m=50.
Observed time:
h=7 m=54
